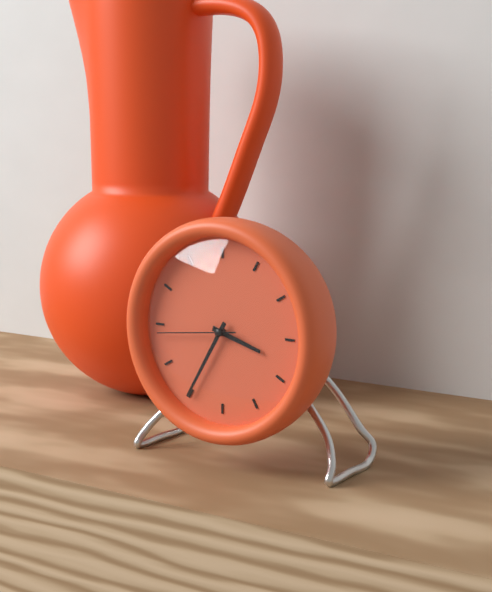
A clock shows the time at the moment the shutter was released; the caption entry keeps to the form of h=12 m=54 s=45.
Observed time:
h=3 m=35 s=44
